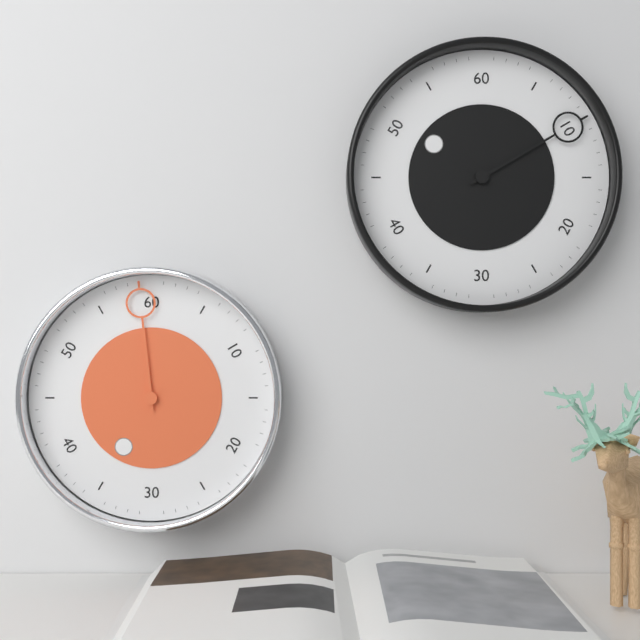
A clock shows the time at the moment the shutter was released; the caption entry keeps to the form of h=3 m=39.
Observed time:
h=6 m=59
